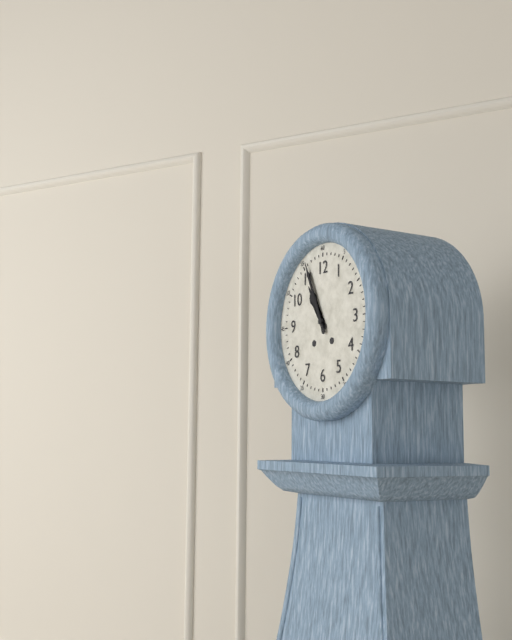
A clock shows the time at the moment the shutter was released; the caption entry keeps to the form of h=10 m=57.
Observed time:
h=10 m=56
